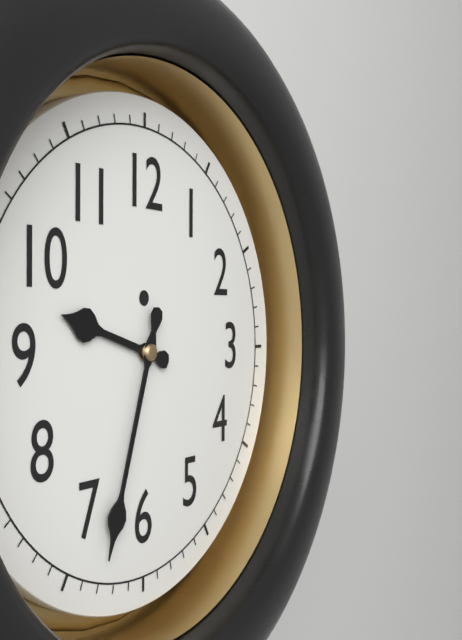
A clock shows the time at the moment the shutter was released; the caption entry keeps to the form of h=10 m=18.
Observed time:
h=9 m=33
